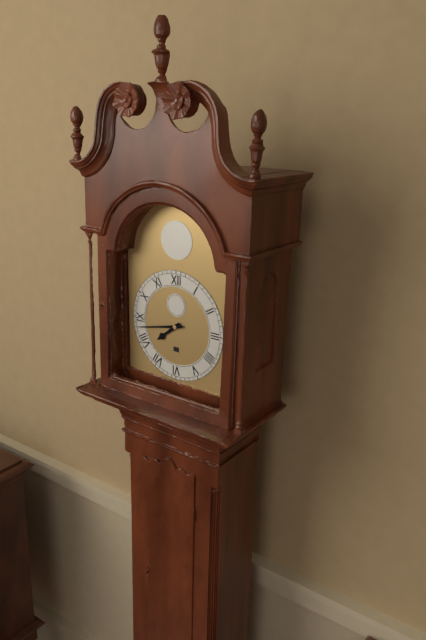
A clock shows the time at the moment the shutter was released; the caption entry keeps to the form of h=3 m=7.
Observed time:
h=7 m=43
